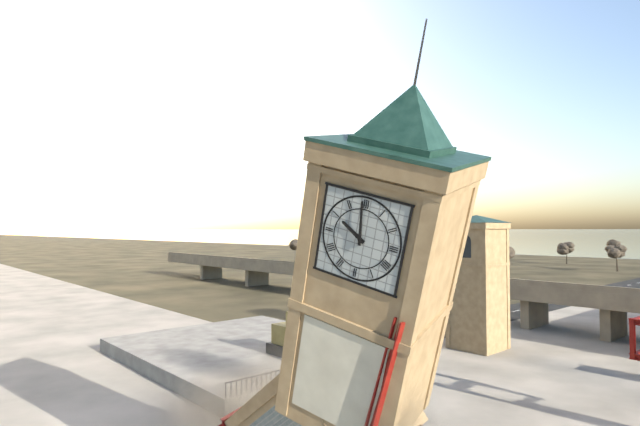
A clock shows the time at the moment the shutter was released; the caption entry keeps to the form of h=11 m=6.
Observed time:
h=9 m=59
